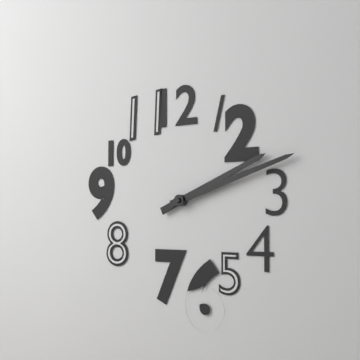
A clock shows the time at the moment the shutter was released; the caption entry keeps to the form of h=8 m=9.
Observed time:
h=2 m=12
